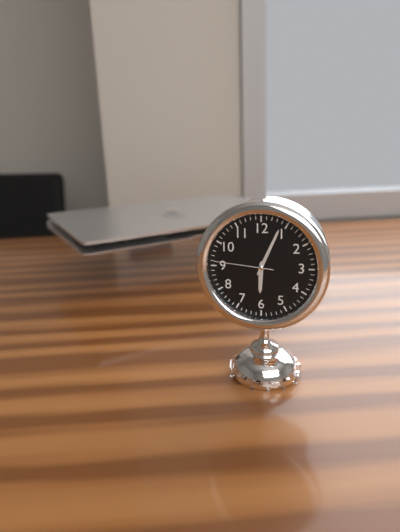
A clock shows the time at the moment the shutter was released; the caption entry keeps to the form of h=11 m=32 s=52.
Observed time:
h=6 m=4 s=46
